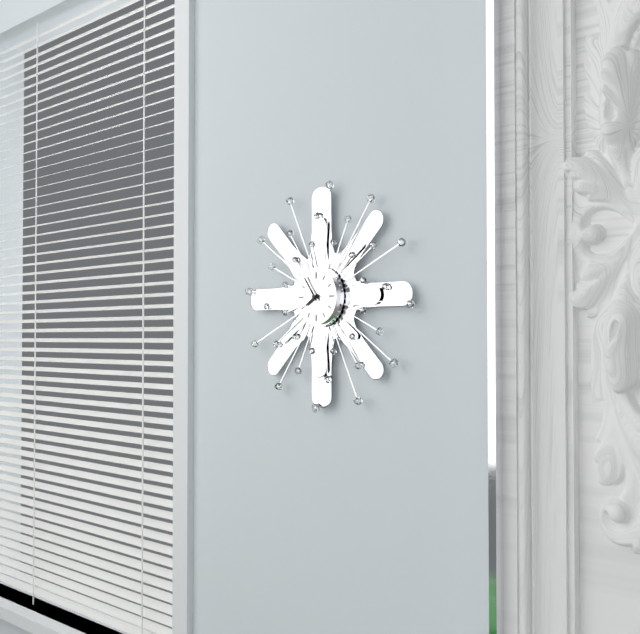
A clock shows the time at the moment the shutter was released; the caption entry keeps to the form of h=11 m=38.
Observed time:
h=7 m=54
